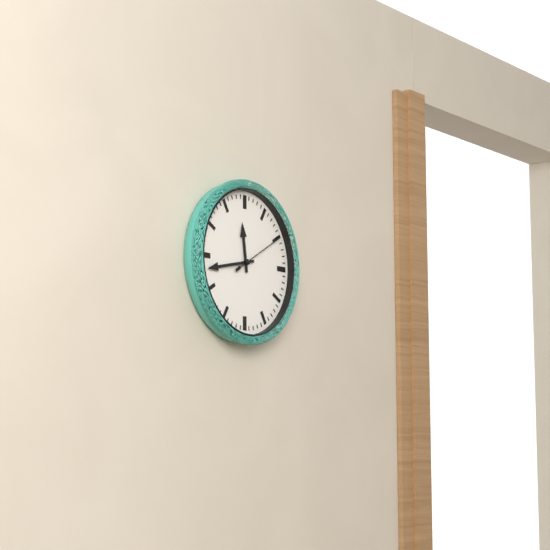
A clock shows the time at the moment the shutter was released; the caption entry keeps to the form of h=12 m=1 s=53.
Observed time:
h=11 m=43 s=10
